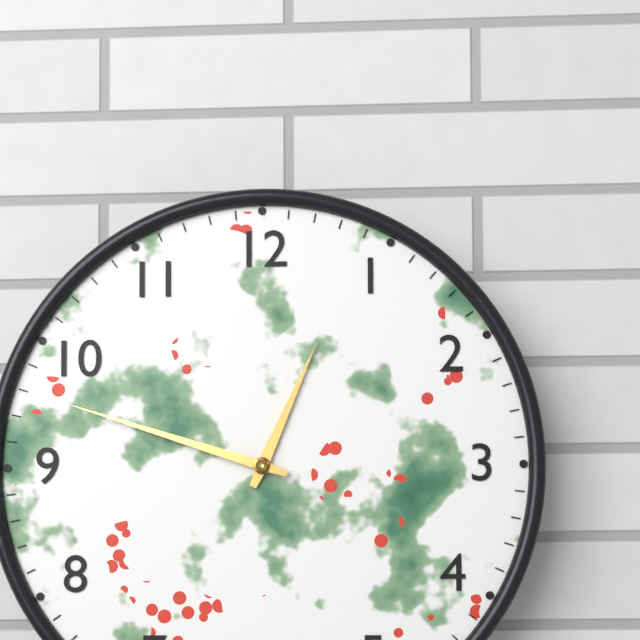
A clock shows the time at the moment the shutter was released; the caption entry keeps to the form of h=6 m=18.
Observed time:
h=12 m=48
